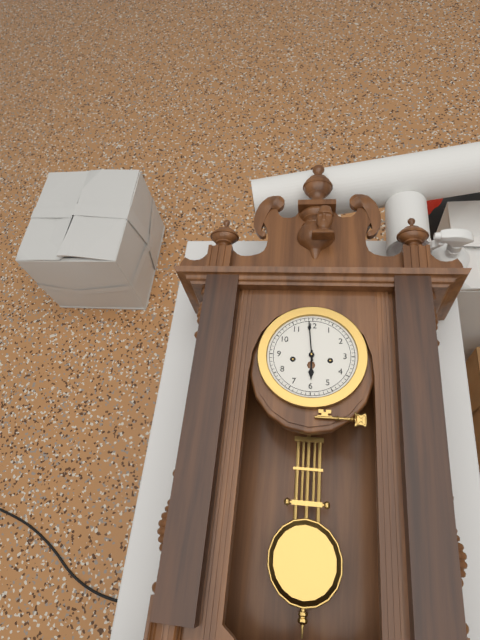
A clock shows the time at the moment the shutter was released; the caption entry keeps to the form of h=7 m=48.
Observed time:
h=5 m=59
